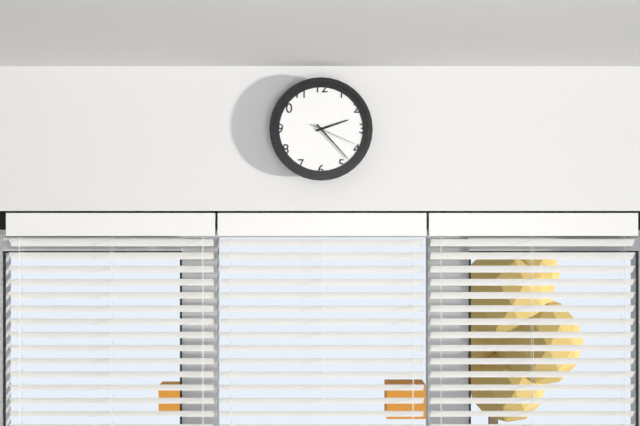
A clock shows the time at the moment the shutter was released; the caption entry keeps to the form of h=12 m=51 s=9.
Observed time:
h=2 m=23 s=19
